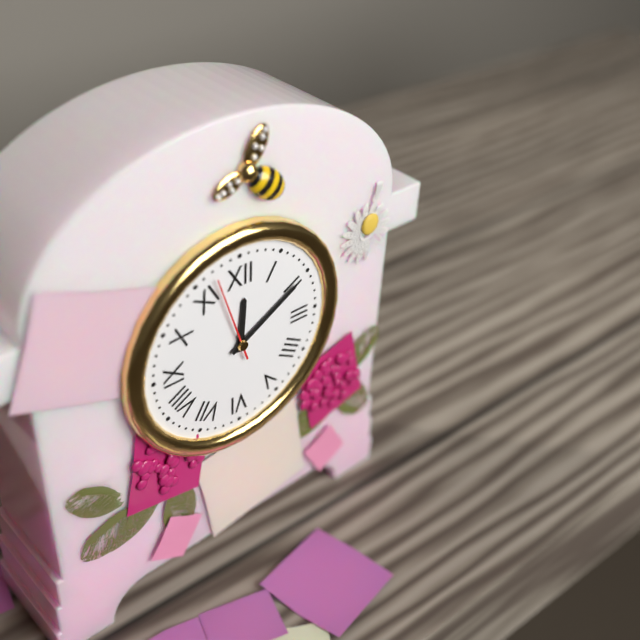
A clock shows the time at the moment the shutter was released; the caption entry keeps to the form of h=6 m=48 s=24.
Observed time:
h=12 m=10 s=57
